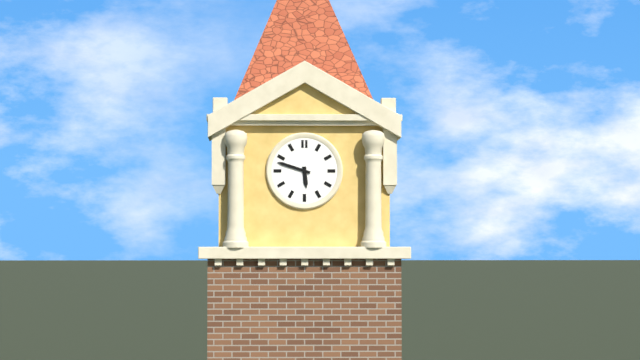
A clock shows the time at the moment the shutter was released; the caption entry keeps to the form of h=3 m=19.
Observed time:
h=5 m=48
